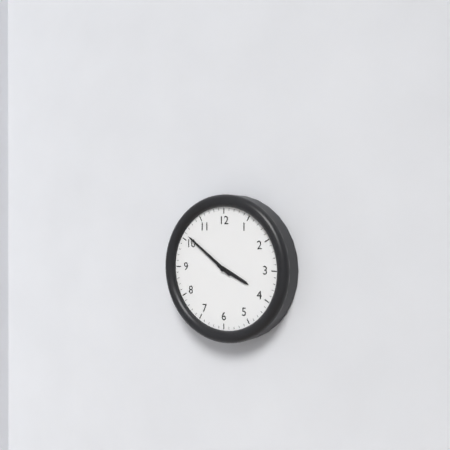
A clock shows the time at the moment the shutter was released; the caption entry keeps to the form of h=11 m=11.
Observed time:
h=3 m=51
